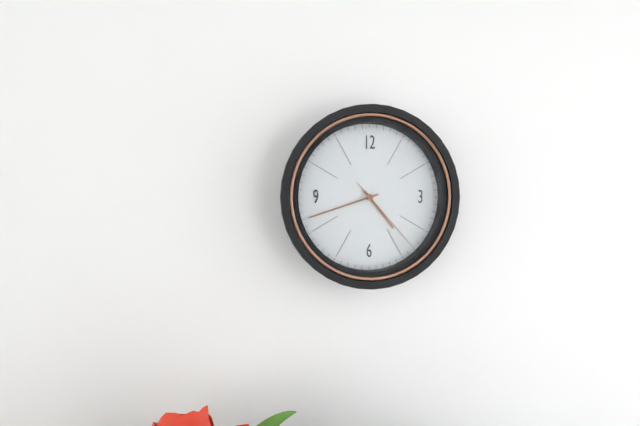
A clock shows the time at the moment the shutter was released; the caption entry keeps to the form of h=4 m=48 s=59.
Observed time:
h=4 m=42 s=23
